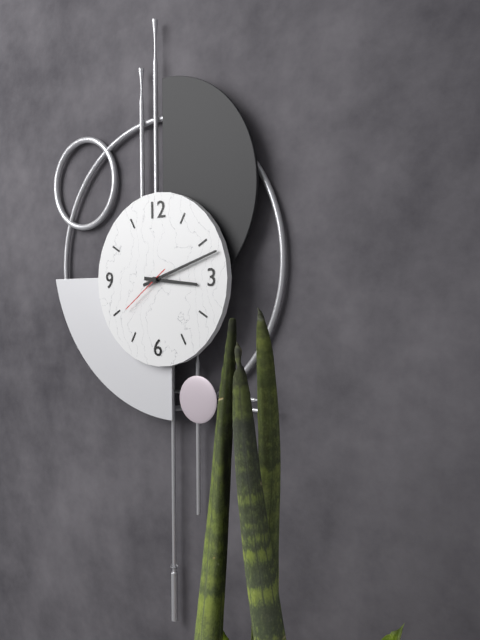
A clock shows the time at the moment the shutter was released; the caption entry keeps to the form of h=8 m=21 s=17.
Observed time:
h=3 m=12 s=39
